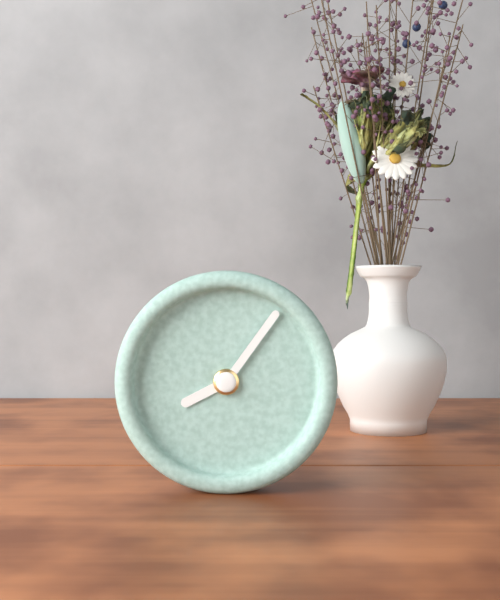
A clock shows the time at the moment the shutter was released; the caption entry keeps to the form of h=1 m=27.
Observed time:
h=8 m=6
